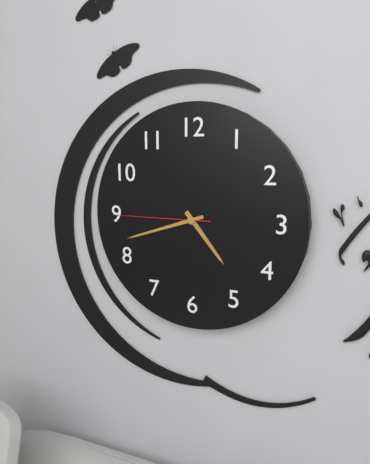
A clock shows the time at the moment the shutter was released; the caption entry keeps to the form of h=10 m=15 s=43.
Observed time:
h=4 m=42 s=45
